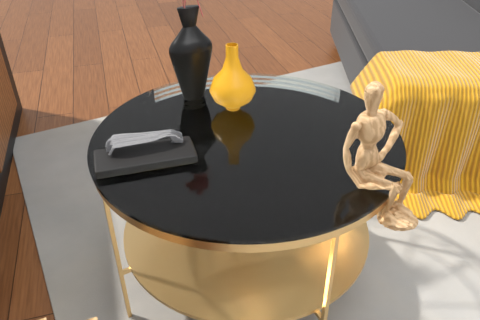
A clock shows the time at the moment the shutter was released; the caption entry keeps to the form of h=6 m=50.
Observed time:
h=9 m=0
